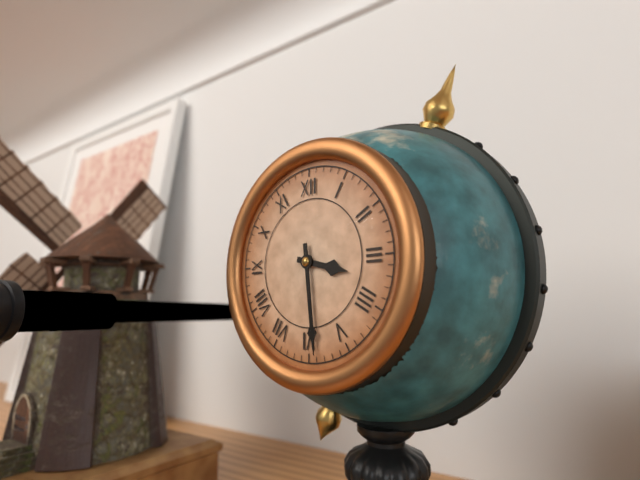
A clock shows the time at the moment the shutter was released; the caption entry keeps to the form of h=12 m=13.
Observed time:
h=3 m=29
